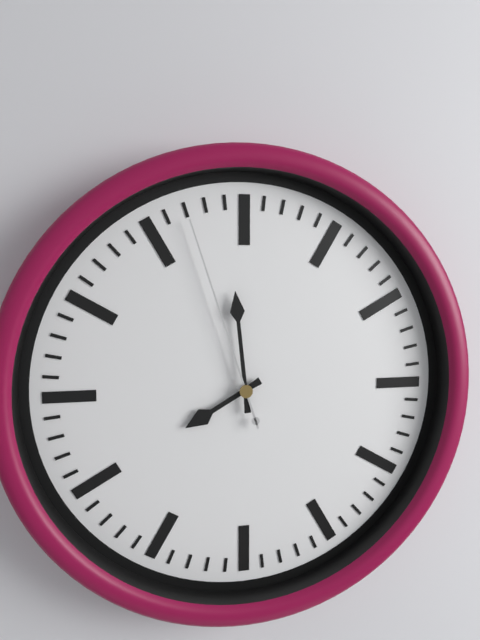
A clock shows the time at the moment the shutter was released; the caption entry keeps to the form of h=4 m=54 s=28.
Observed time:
h=7 m=59 s=57
